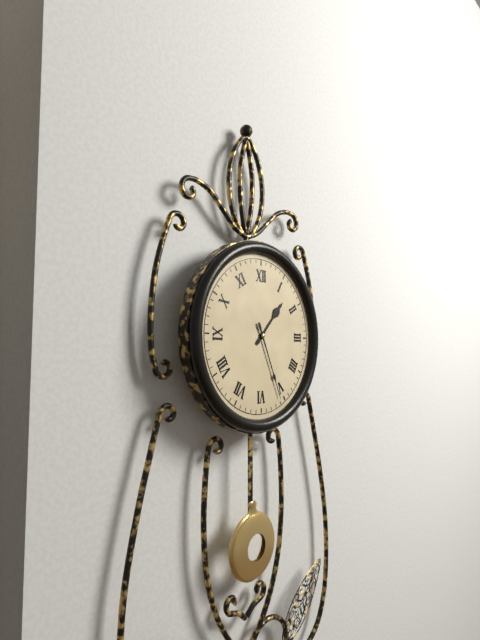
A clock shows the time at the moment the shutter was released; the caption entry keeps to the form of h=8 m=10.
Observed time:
h=1 m=26
